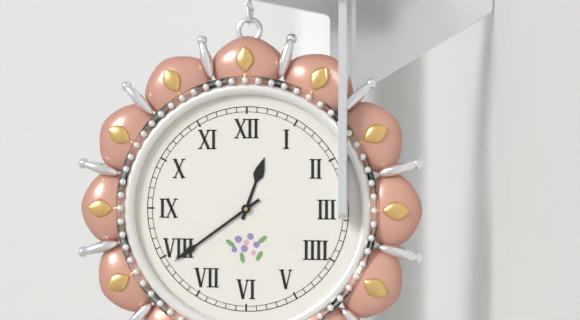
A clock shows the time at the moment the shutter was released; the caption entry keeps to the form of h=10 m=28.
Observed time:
h=12 m=39
